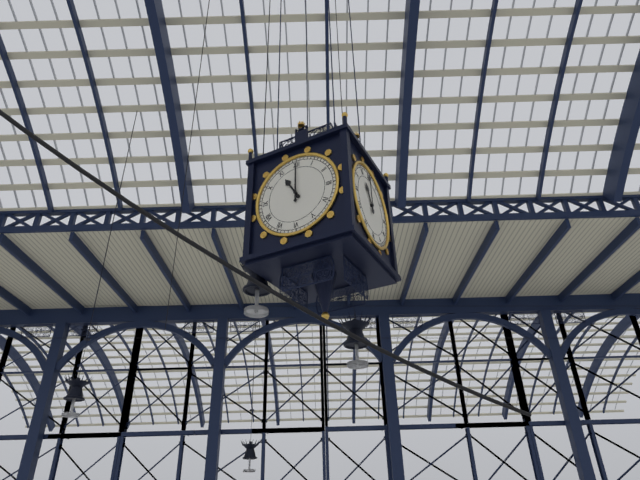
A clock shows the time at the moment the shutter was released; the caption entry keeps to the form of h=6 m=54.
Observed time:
h=11 m=0
